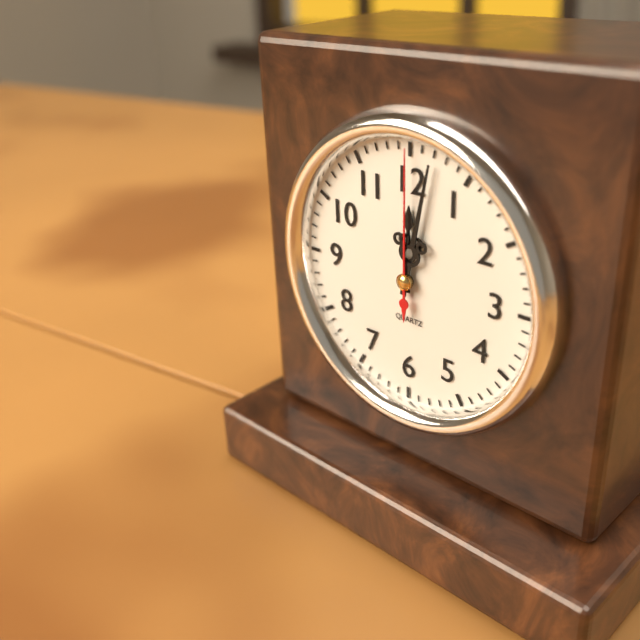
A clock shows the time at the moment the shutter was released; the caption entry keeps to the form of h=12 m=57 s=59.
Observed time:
h=12 m=2 s=0
